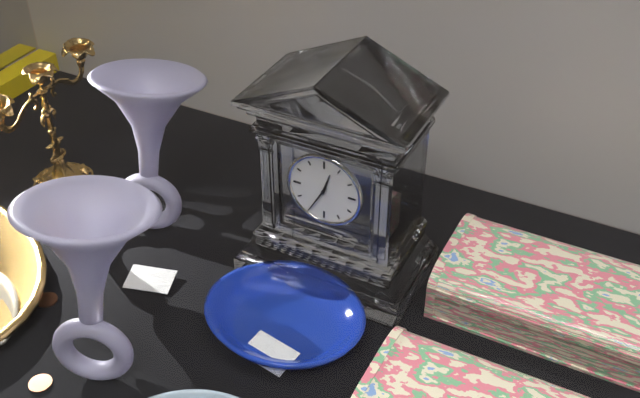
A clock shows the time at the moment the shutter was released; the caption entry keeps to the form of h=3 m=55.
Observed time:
h=12 m=35
